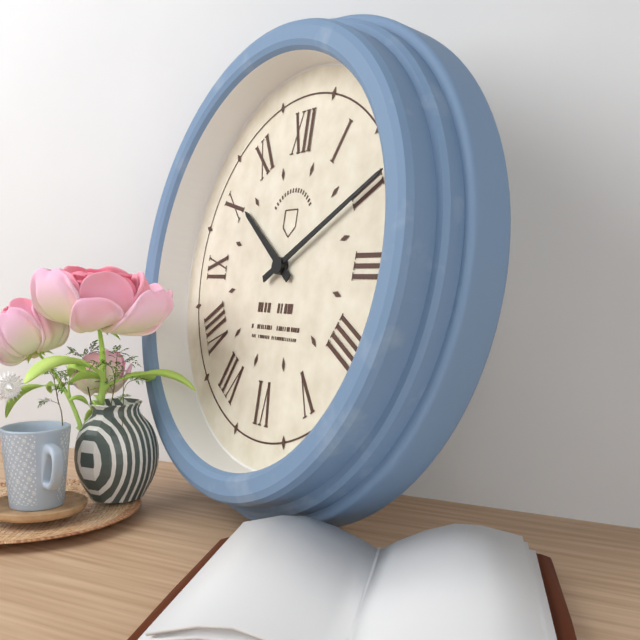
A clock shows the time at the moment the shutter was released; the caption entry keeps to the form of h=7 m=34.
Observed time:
h=10 m=10
